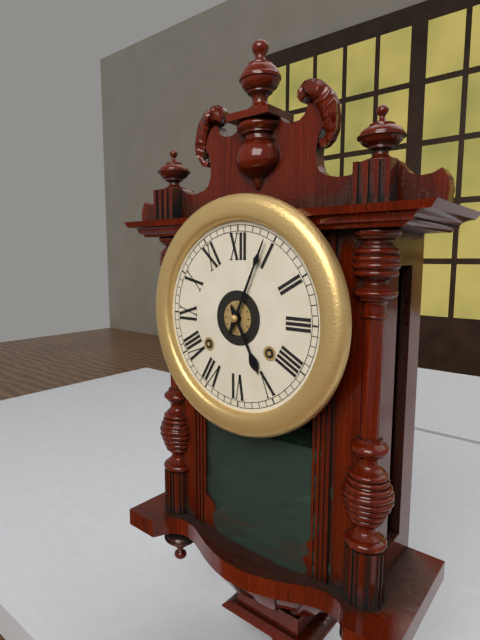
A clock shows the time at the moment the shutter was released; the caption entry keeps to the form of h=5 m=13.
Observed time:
h=5 m=4
